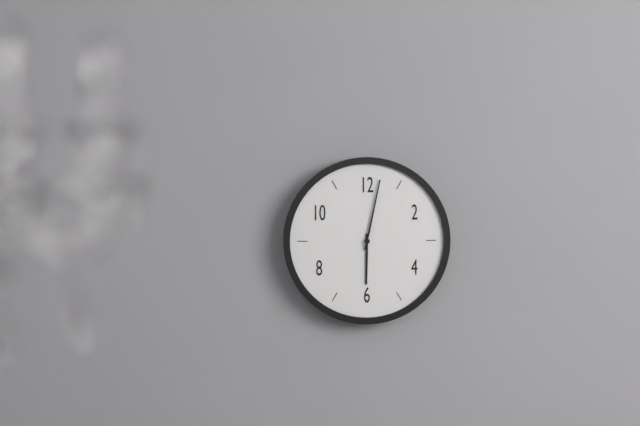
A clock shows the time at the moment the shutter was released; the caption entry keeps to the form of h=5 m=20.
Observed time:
h=6 m=2
